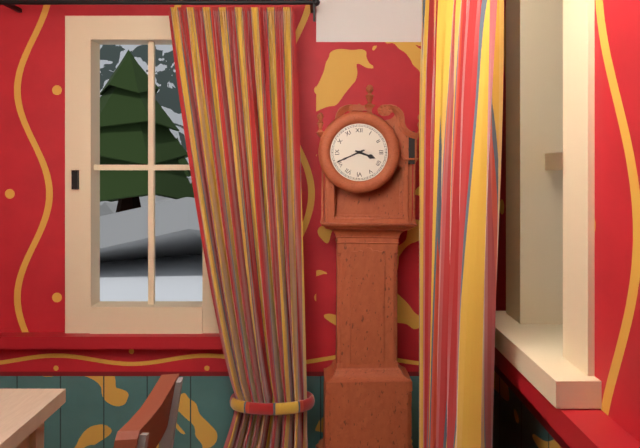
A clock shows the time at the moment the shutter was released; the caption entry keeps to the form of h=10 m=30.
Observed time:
h=3 m=41
